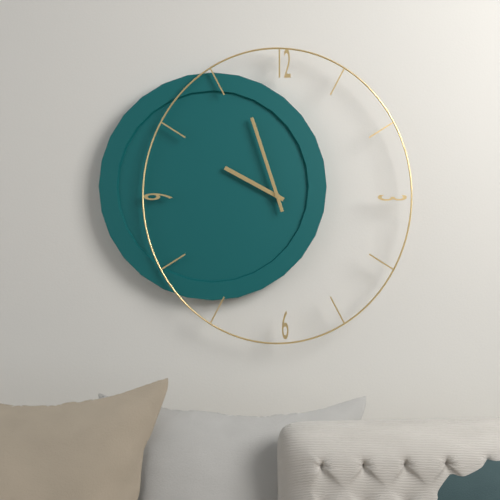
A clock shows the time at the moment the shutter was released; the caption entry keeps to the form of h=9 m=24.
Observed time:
h=9 m=57
